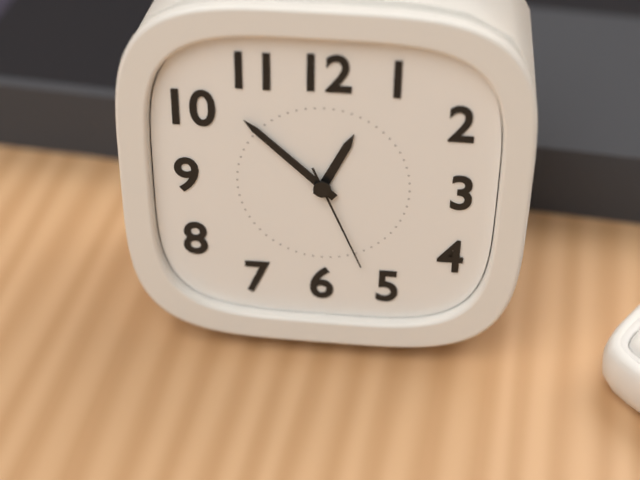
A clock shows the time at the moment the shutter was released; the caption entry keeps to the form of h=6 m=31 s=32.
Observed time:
h=12 m=52 s=26
